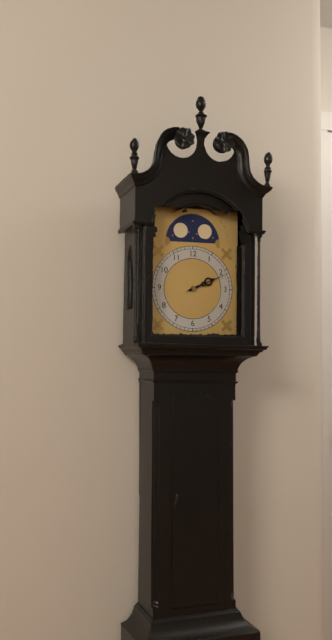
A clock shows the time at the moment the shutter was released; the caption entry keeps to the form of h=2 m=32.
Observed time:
h=2 m=11
